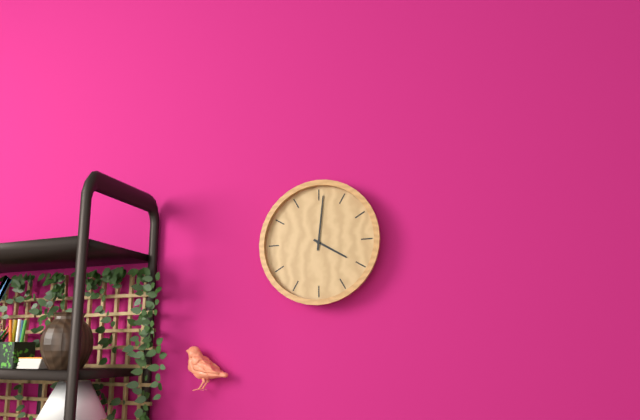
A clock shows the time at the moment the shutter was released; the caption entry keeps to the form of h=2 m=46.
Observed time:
h=4 m=1
